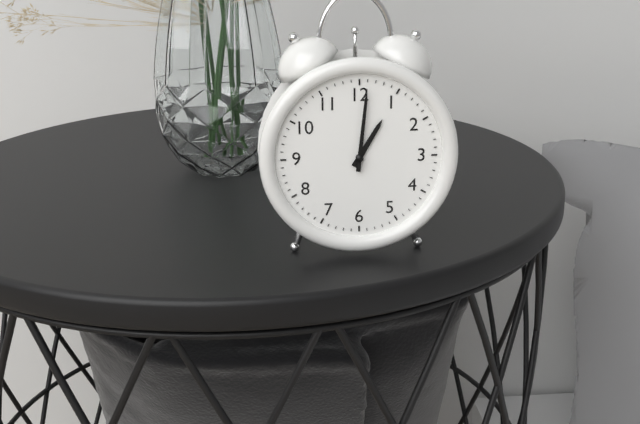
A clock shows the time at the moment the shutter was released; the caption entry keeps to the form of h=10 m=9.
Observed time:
h=1 m=1
